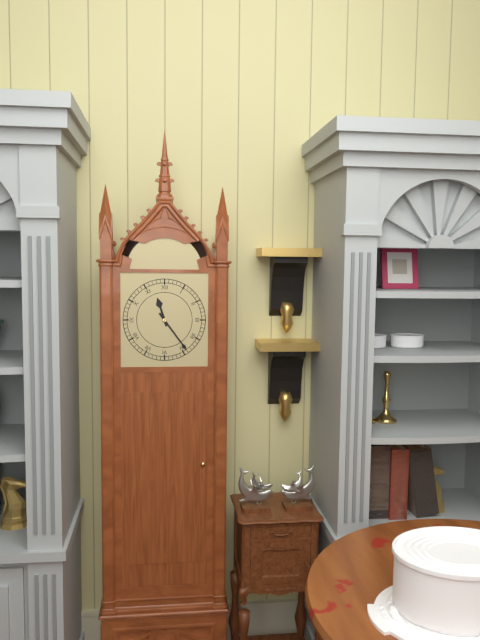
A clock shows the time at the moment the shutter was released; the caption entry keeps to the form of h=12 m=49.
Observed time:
h=11 m=24
